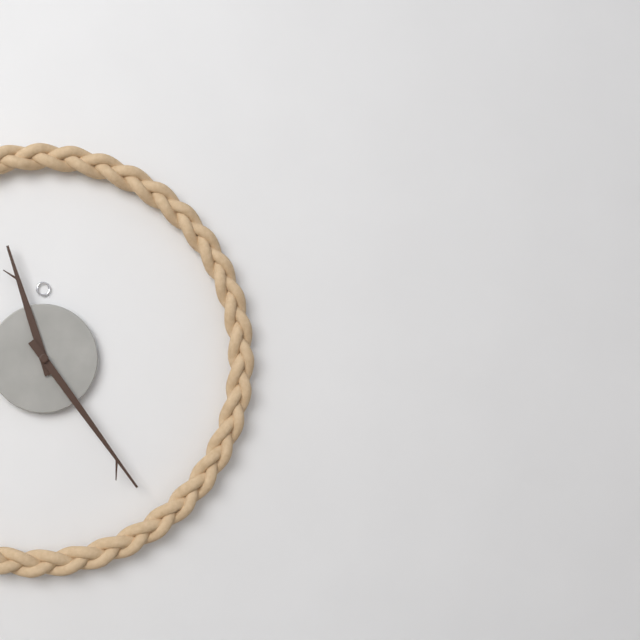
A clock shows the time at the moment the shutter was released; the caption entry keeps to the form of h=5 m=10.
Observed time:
h=11 m=24
